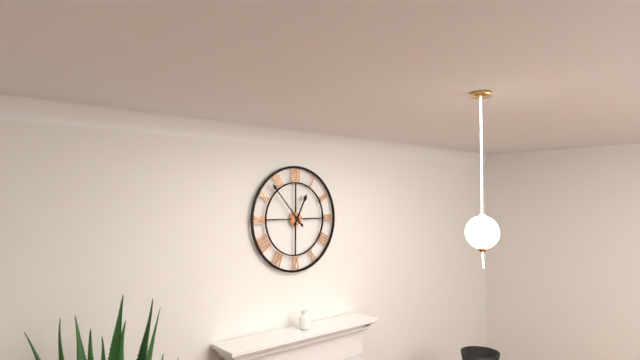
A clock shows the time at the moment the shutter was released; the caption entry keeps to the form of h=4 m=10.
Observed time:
h=12 m=53
